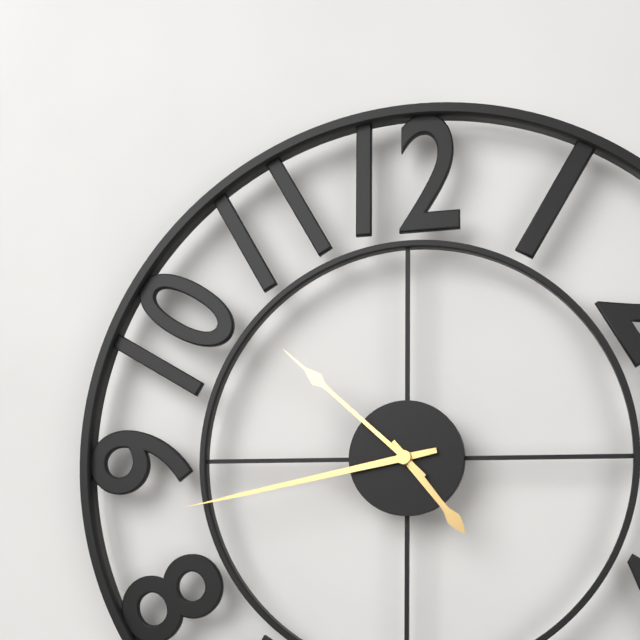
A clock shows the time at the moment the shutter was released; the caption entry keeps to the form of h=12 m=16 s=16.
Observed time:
h=4 m=43 s=52
